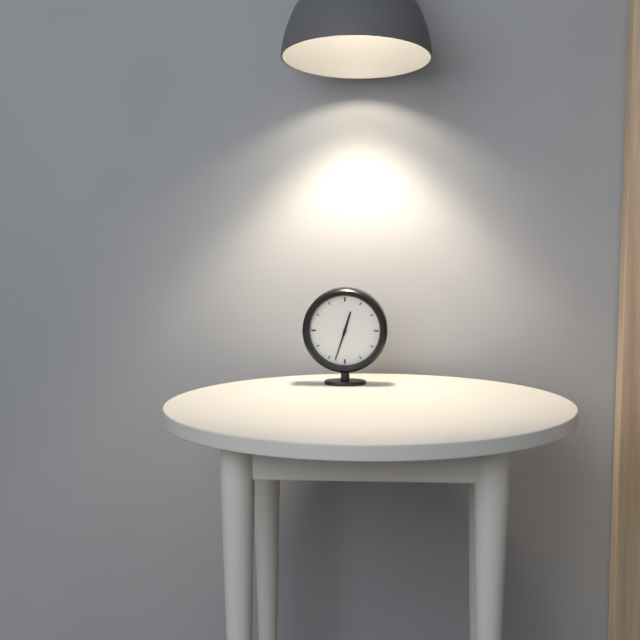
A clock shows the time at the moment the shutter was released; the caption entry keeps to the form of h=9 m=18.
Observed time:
h=12 m=33
